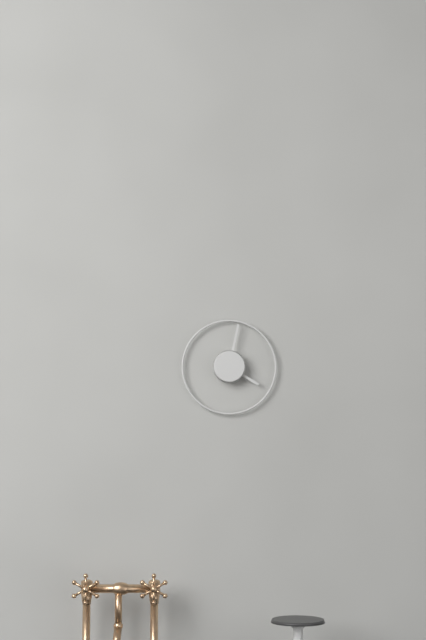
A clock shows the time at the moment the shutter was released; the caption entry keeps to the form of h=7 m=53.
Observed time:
h=4 m=2
